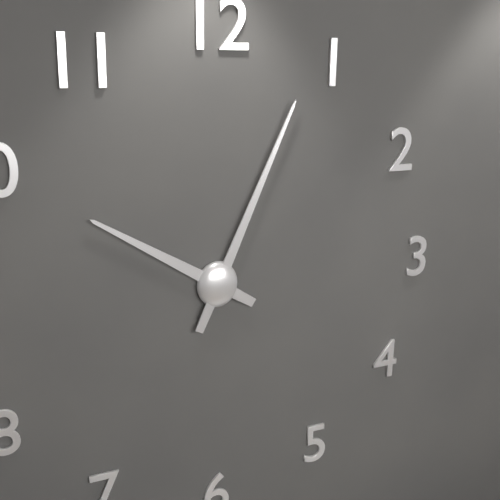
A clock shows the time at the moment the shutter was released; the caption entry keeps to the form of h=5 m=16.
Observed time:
h=10 m=4
